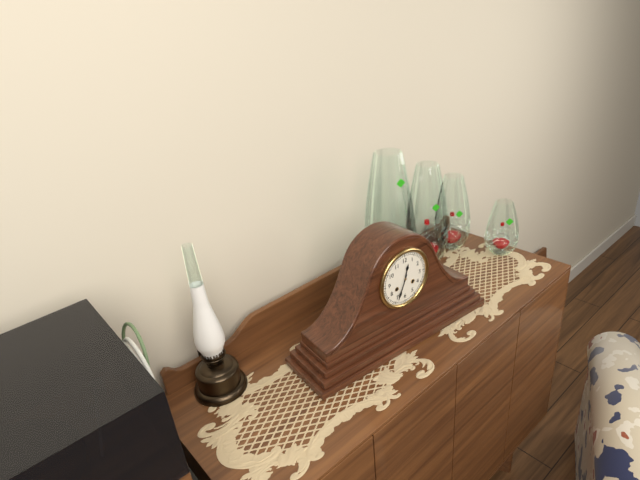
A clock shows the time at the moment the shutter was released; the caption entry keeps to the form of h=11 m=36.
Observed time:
h=12 m=34
